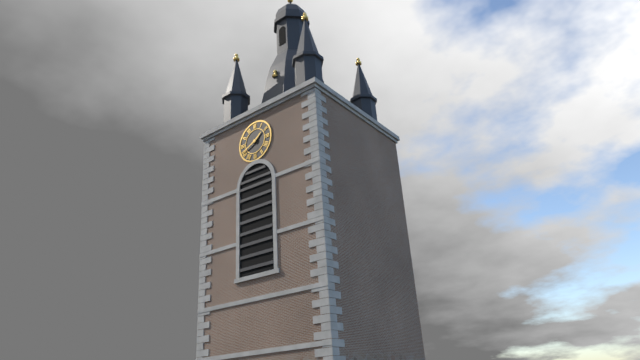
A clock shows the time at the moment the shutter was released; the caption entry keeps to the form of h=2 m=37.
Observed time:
h=1 m=41
